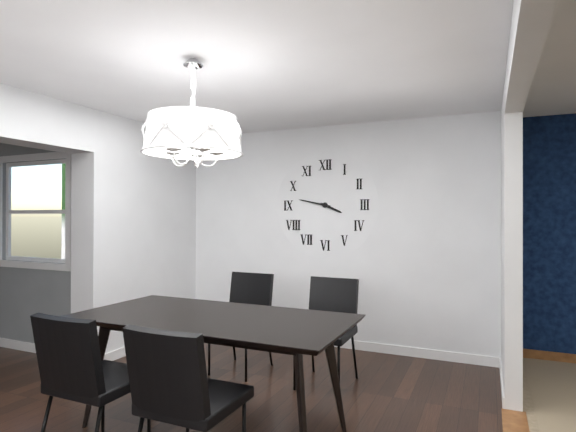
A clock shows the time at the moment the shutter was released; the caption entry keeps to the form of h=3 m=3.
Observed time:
h=3 m=47
